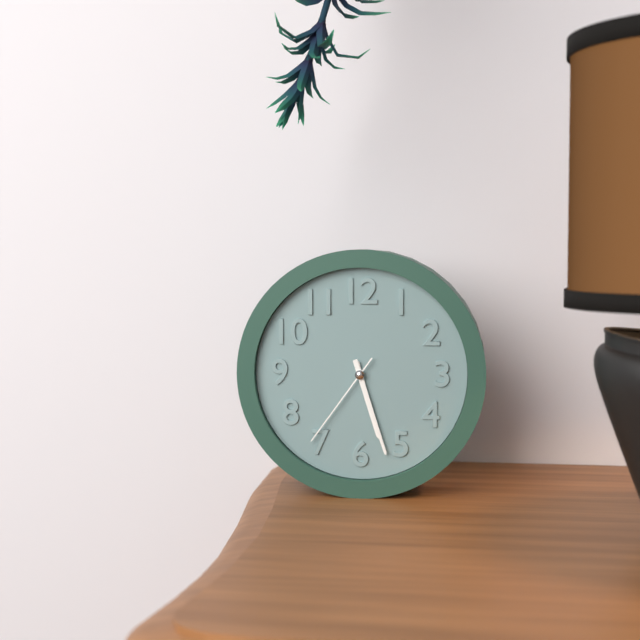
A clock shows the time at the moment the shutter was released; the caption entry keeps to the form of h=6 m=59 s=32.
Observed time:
h=5 m=27 s=36
